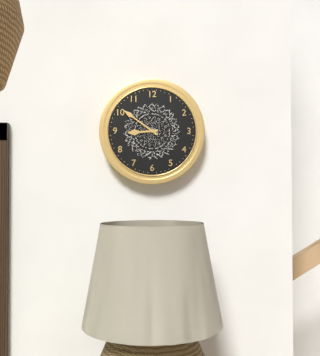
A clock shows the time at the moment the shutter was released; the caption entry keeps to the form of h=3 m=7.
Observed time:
h=8 m=51
